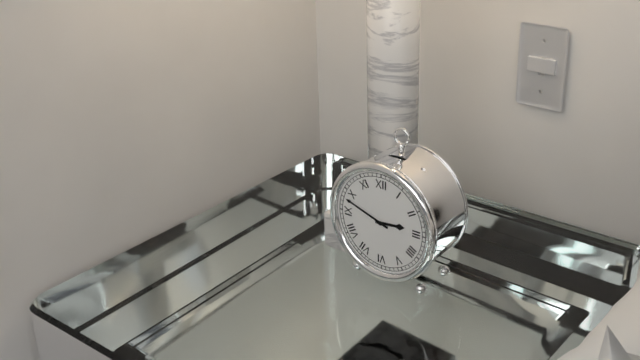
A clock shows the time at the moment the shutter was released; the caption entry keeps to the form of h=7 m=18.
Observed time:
h=2 m=48
